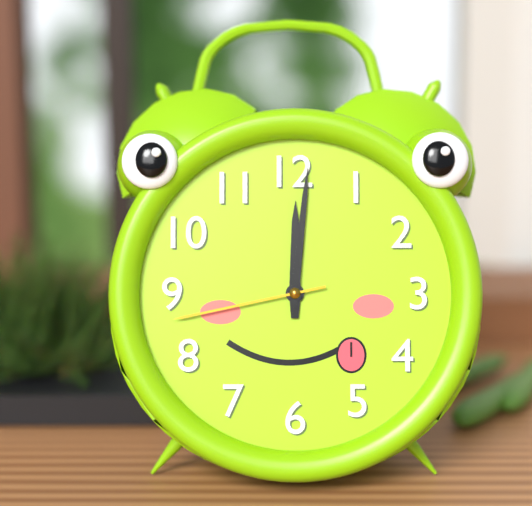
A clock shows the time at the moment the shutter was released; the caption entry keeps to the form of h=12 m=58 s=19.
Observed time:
h=12 m=1 s=43
